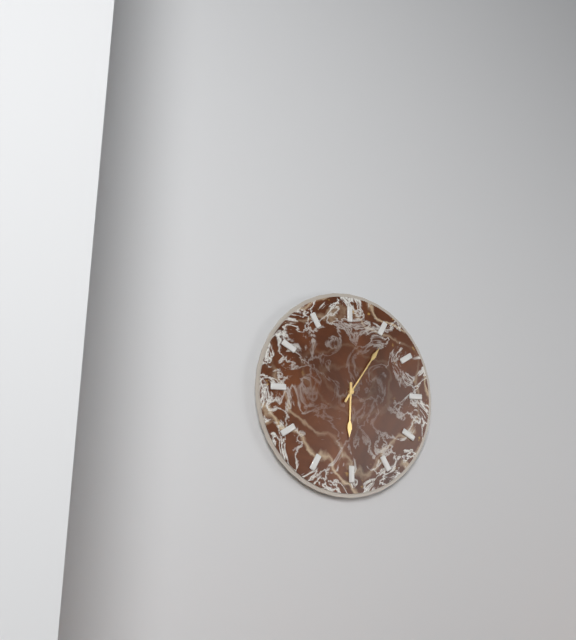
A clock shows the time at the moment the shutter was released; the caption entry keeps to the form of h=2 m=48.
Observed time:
h=6 m=6
